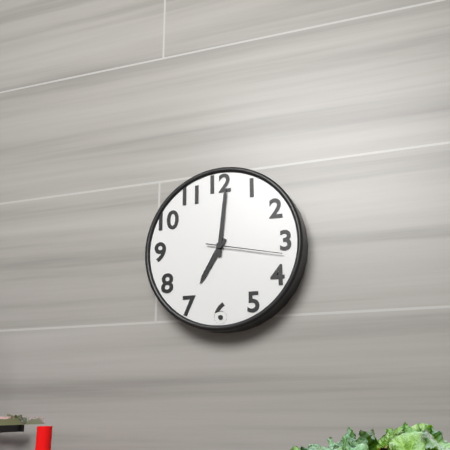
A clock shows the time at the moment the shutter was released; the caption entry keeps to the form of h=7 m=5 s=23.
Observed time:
h=7 m=1 s=17
